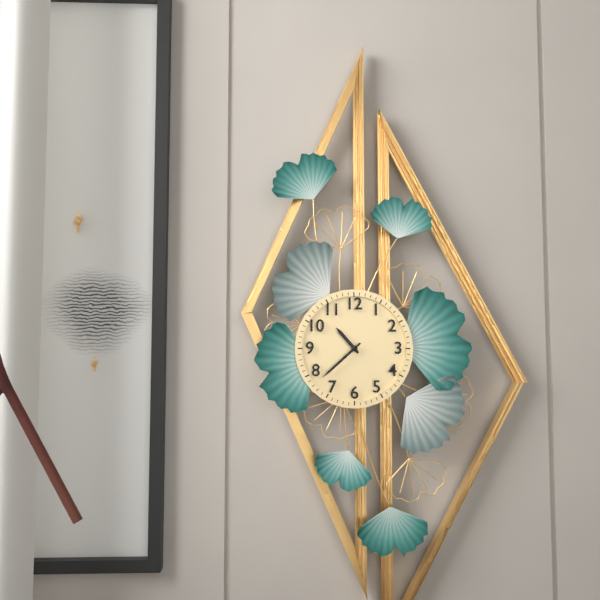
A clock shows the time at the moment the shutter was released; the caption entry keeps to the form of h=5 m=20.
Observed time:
h=10 m=38
